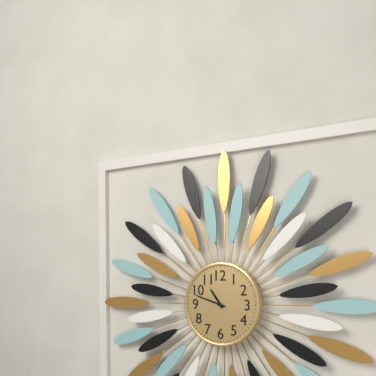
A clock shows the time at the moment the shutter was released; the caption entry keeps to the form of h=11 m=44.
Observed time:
h=10 m=48
